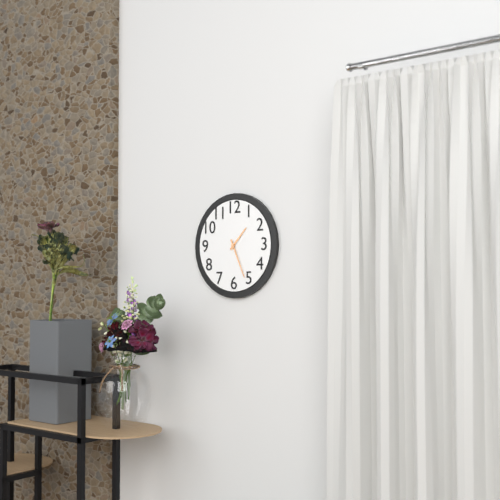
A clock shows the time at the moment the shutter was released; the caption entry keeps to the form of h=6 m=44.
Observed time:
h=1 m=26
